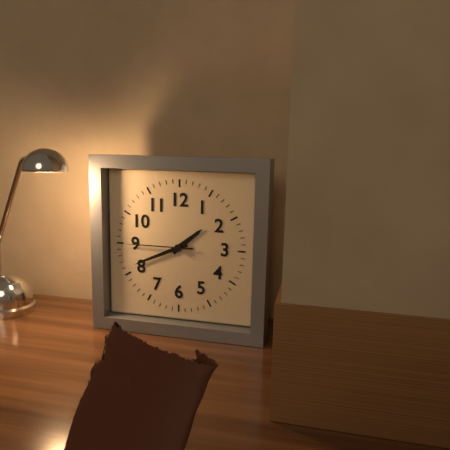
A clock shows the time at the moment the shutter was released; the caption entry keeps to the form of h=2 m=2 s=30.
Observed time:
h=1 m=41 s=45
